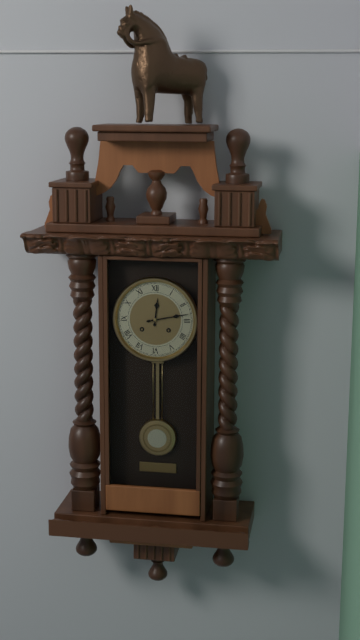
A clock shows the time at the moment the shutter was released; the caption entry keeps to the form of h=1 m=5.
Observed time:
h=12 m=13
